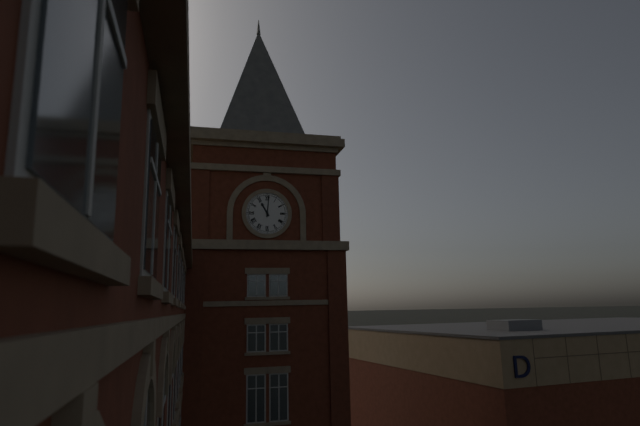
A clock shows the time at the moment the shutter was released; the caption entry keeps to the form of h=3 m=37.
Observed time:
h=11 m=1
